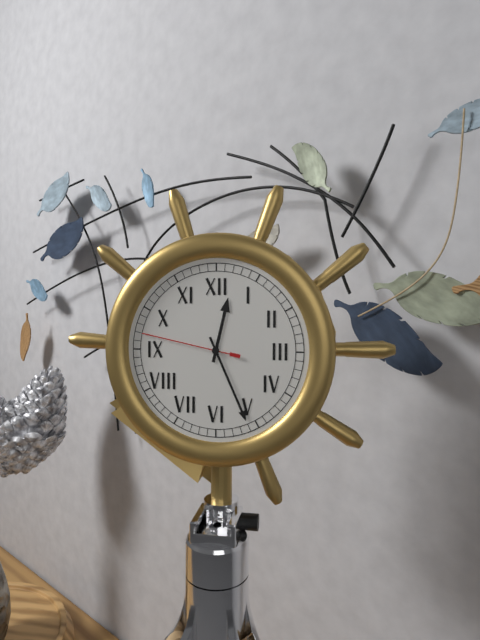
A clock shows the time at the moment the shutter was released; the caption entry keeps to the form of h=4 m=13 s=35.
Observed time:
h=12 m=26 s=47
